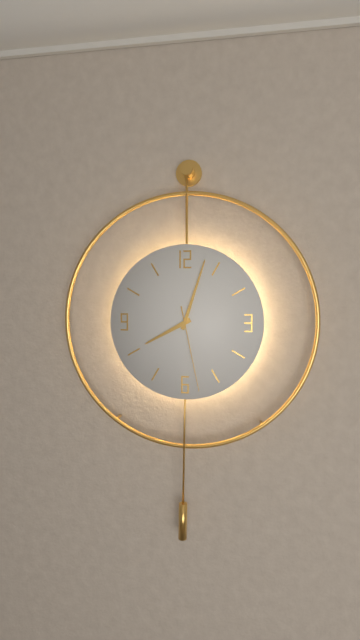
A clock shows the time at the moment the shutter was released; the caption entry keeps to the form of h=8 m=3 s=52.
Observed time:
h=8 m=3 s=28
